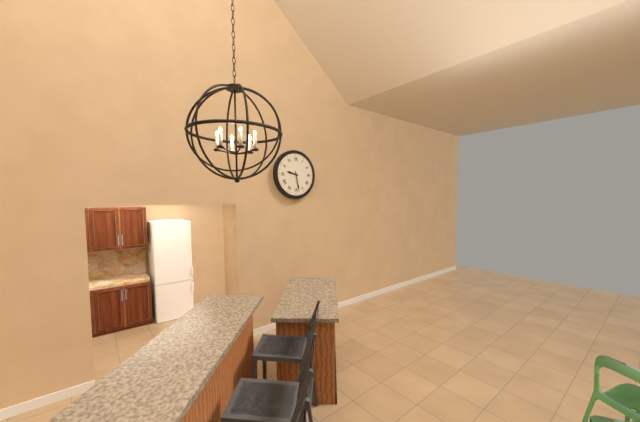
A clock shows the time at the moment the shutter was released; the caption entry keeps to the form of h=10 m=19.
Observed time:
h=9 m=28
